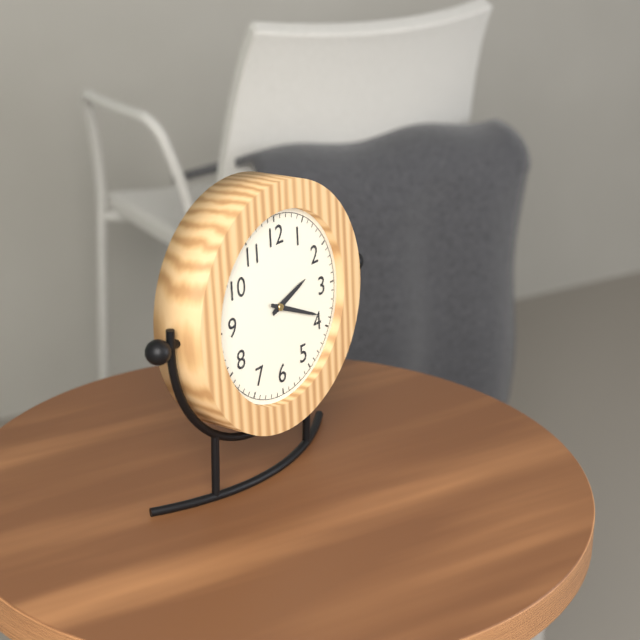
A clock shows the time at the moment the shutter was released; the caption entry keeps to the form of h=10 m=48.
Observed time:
h=2 m=19
